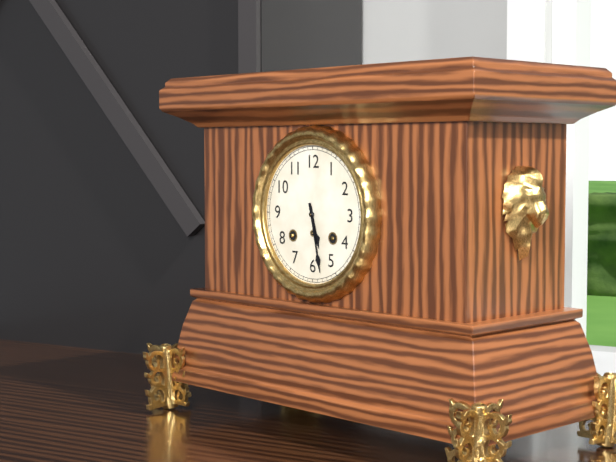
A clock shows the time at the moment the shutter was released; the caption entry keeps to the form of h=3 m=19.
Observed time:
h=5 m=28
